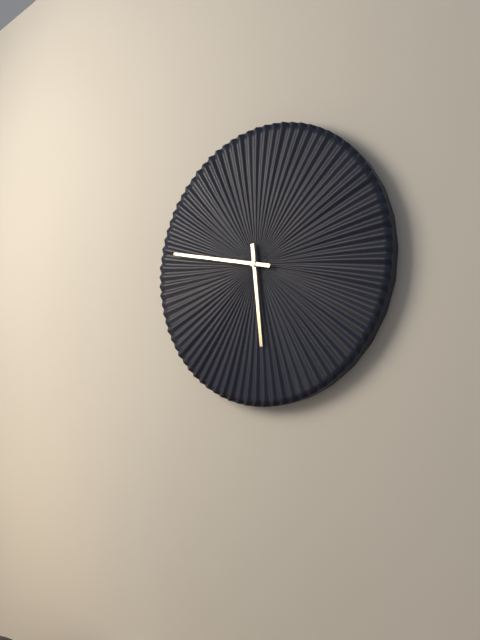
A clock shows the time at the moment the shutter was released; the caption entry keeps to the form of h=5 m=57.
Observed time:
h=5 m=47
